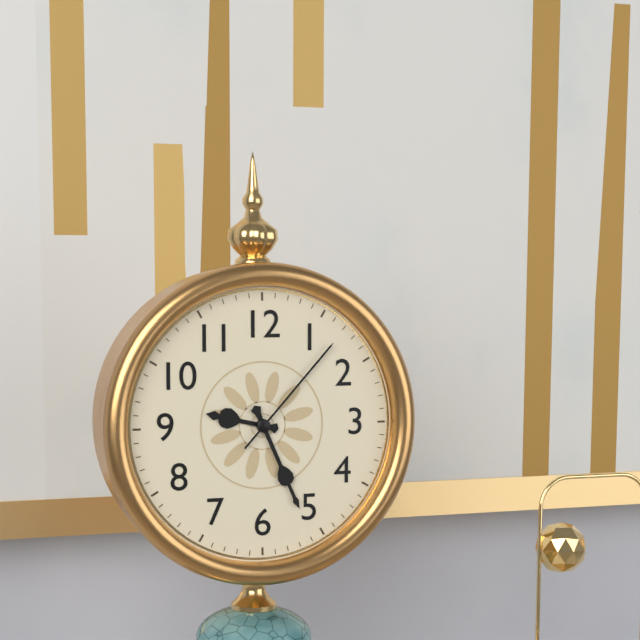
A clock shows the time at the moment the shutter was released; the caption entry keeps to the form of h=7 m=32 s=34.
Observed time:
h=9 m=26 s=7
